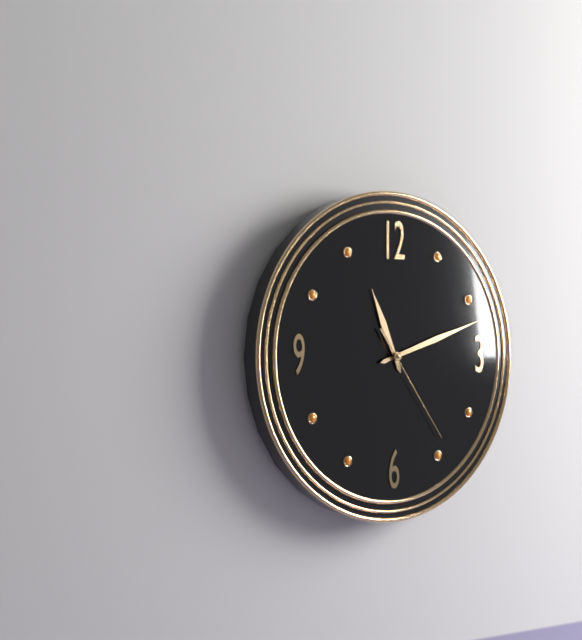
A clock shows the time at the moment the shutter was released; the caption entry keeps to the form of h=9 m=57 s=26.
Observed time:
h=11 m=12 s=24
